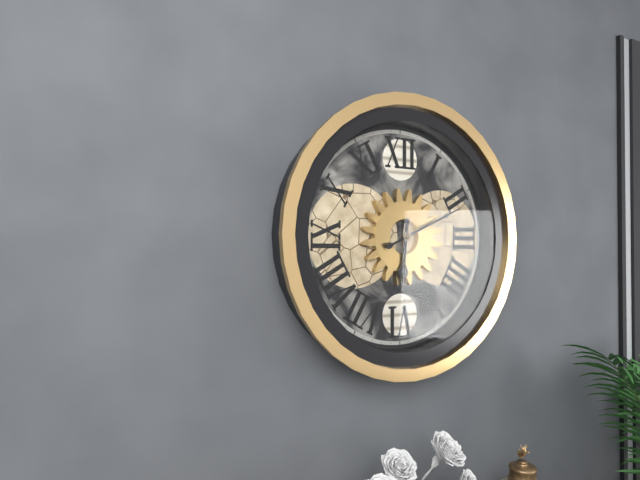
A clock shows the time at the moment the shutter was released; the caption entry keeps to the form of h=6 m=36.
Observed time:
h=6 m=11
